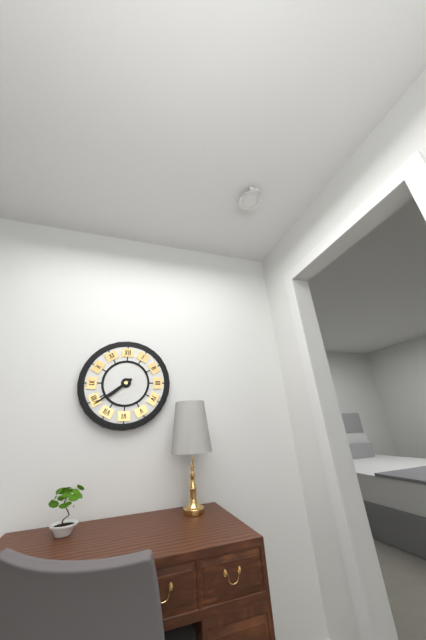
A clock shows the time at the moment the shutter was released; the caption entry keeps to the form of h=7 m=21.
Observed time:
h=7 m=39
